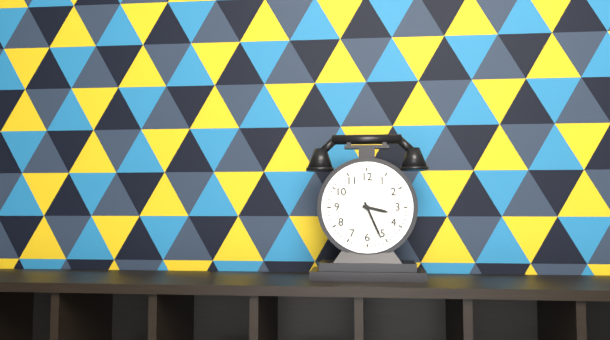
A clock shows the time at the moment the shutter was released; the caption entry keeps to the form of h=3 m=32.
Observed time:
h=3 m=26
